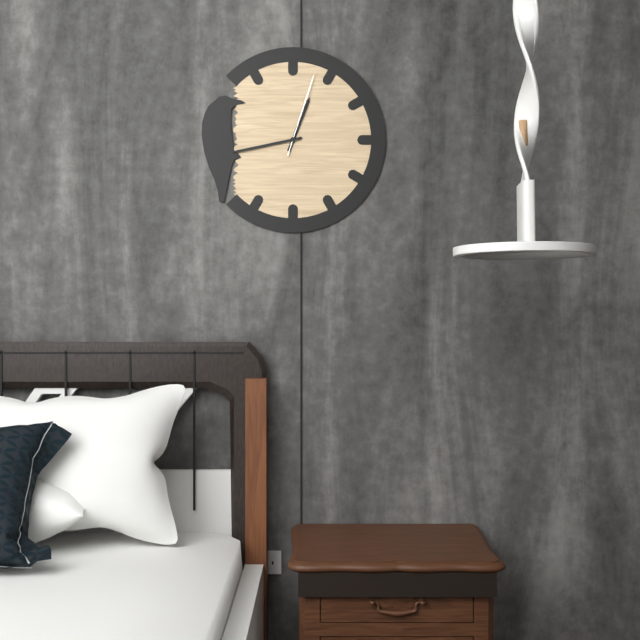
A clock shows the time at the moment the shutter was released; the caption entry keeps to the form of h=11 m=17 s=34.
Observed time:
h=12 m=43 s=3
